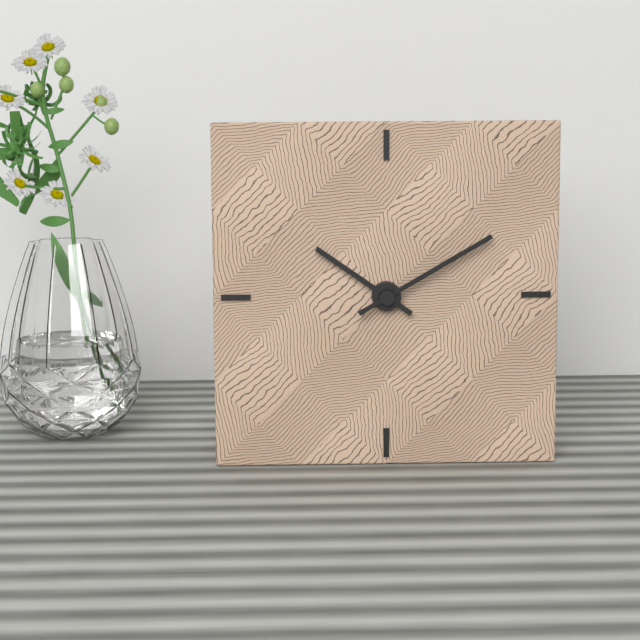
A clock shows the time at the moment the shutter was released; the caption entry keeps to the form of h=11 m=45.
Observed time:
h=10 m=10
